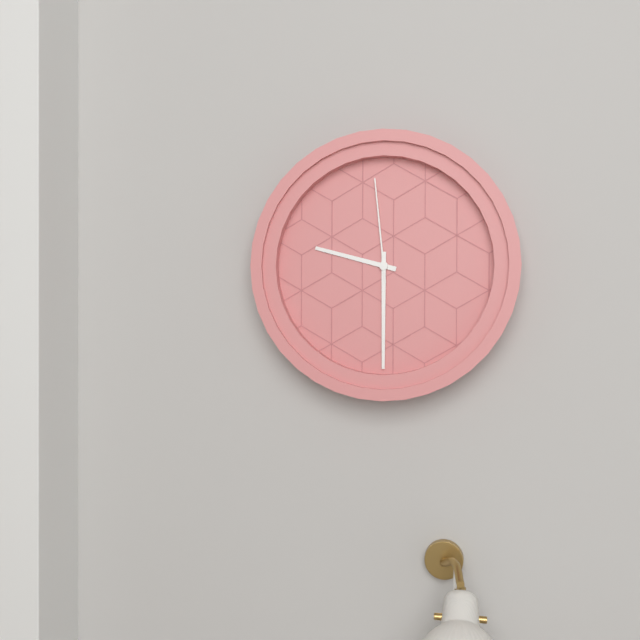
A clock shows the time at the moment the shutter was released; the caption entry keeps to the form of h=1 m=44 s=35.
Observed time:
h=9 m=30 s=59
